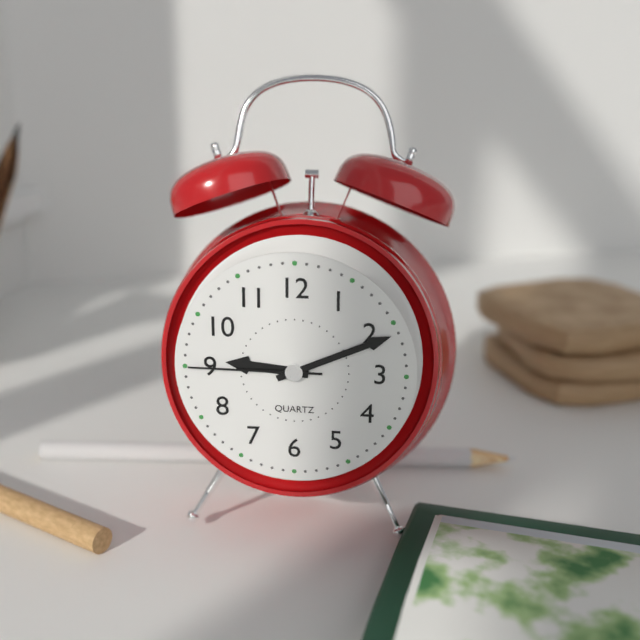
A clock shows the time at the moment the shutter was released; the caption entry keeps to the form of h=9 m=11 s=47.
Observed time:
h=9 m=11 s=45
